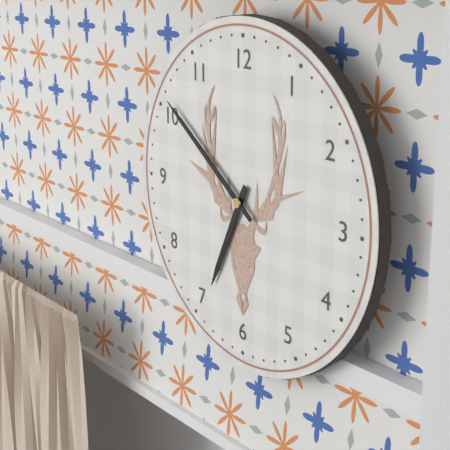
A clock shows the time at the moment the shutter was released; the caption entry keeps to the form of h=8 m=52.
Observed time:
h=6 m=51
